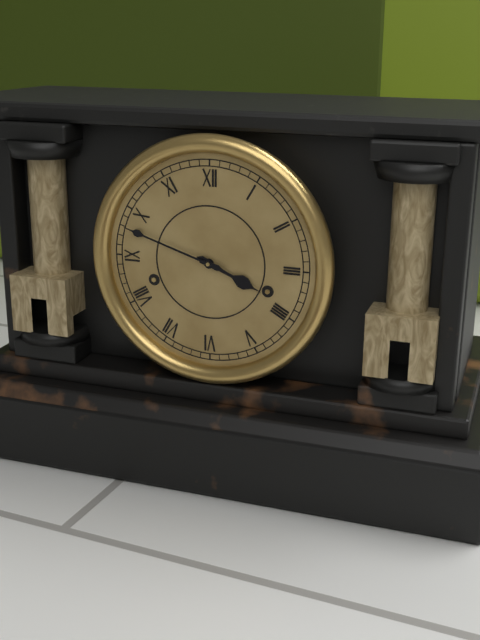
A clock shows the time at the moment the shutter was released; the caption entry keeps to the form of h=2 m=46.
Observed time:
h=3 m=48
